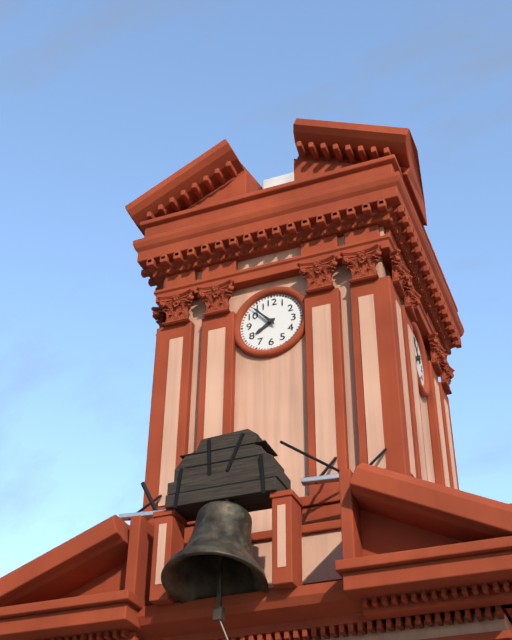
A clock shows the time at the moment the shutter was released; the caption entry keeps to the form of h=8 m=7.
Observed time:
h=7 m=53
